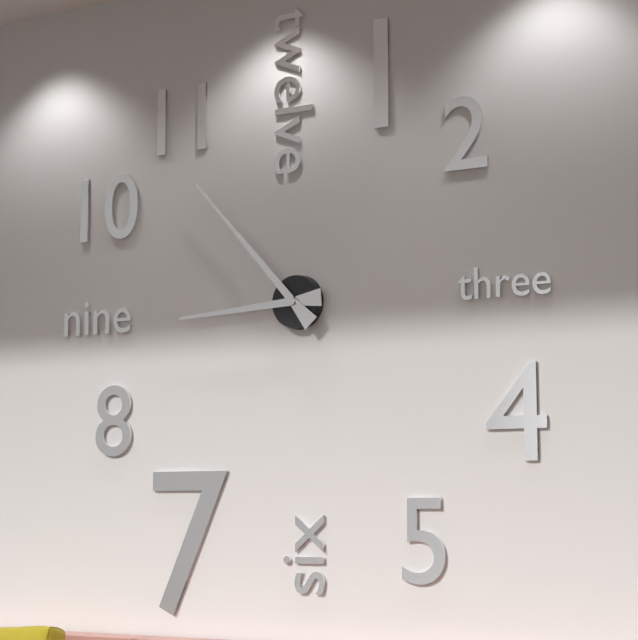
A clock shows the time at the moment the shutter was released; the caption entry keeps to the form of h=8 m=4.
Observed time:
h=8 m=53
